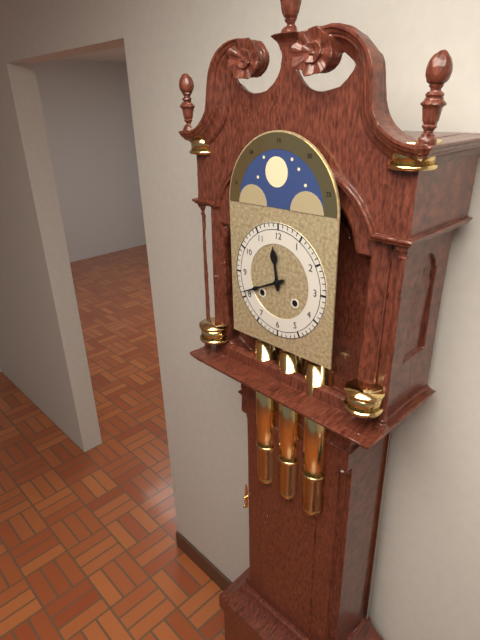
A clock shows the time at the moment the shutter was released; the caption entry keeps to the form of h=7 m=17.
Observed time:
h=11 m=41
